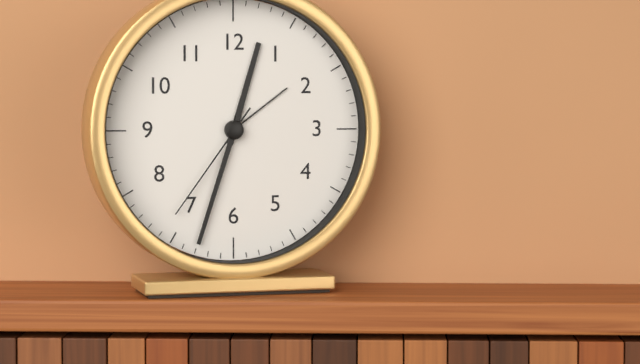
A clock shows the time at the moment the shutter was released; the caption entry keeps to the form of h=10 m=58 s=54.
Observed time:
h=12 m=33 s=36
